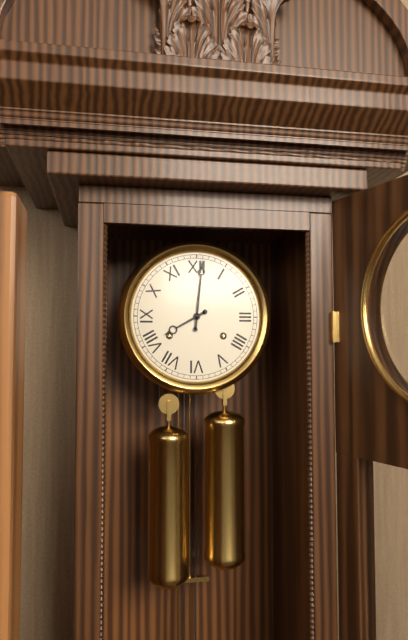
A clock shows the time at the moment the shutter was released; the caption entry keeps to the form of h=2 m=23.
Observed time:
h=8 m=1
